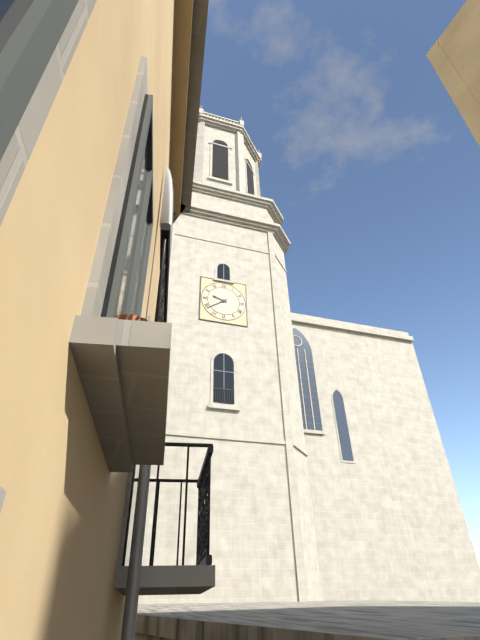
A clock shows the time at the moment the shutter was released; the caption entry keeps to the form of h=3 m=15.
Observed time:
h=9 m=39
